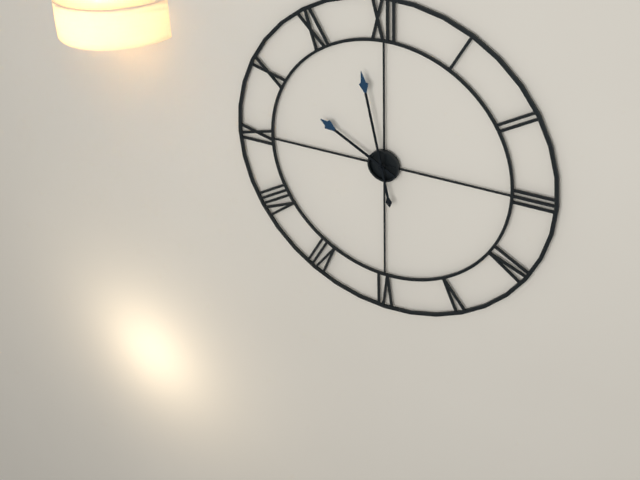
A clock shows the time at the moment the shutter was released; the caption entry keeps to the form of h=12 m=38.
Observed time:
h=9 m=58
